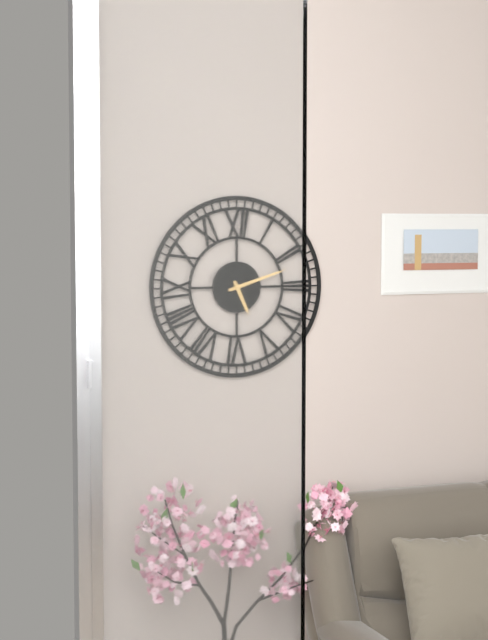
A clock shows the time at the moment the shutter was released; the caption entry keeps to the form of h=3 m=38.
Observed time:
h=5 m=12
